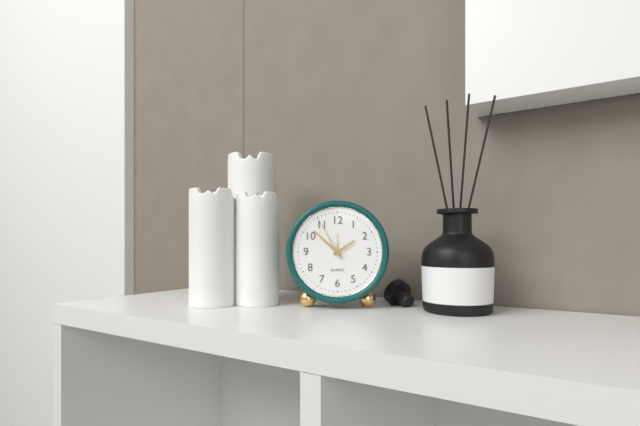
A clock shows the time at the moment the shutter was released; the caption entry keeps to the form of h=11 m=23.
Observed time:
h=1 m=52
